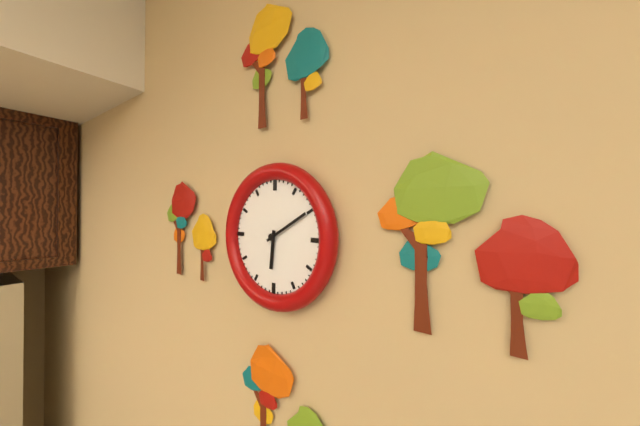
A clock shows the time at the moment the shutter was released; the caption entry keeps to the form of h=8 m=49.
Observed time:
h=6 m=10
